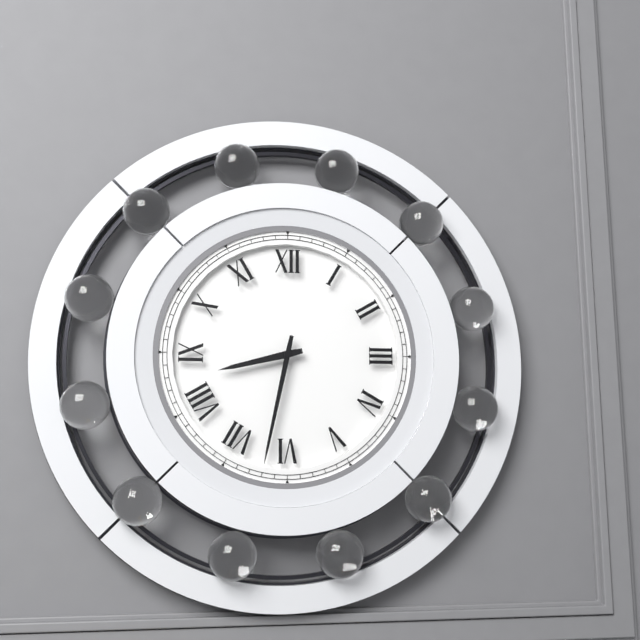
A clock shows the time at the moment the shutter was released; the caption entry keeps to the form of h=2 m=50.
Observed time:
h=8 m=32
